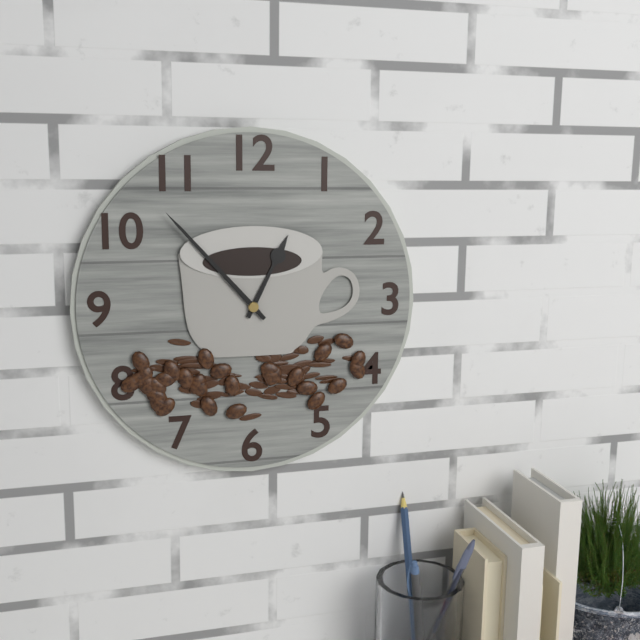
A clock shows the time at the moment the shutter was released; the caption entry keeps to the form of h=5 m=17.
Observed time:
h=12 m=53
